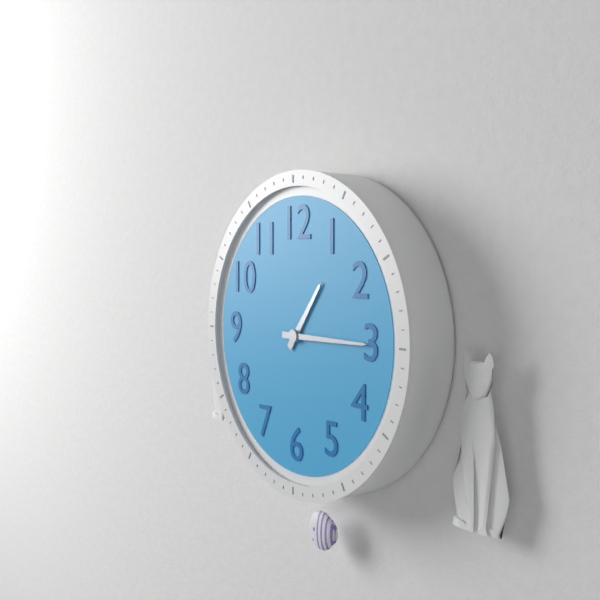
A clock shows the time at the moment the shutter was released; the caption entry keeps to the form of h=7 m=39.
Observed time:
h=1 m=15
